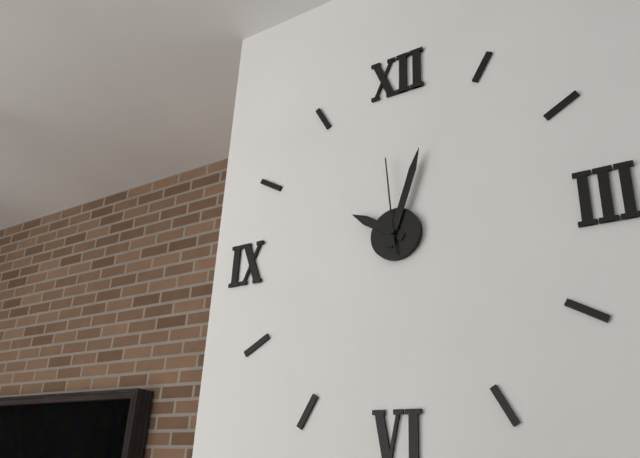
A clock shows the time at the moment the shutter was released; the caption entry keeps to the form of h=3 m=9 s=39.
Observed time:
h=10 m=3 s=59
